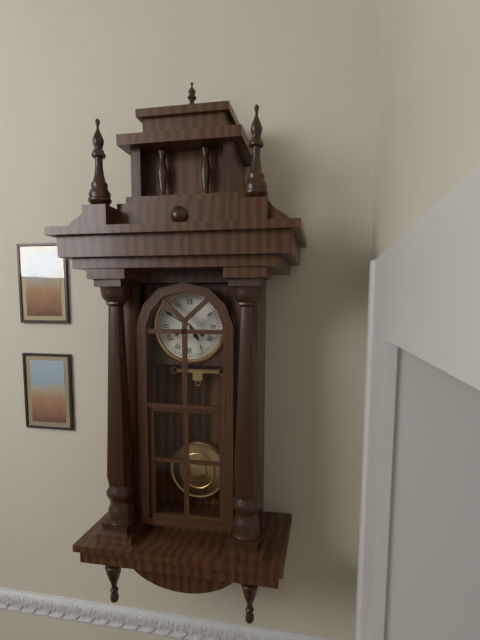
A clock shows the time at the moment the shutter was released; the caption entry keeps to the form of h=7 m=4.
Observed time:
h=4 m=50
